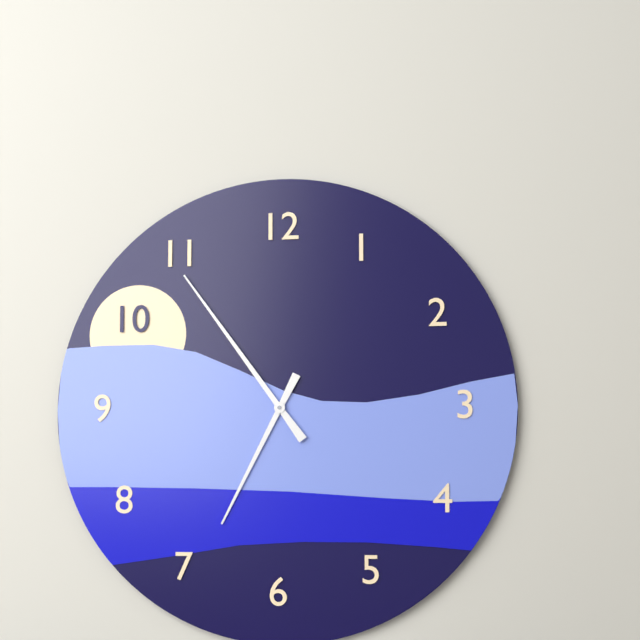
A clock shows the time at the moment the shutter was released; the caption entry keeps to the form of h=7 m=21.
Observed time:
h=6 m=54
